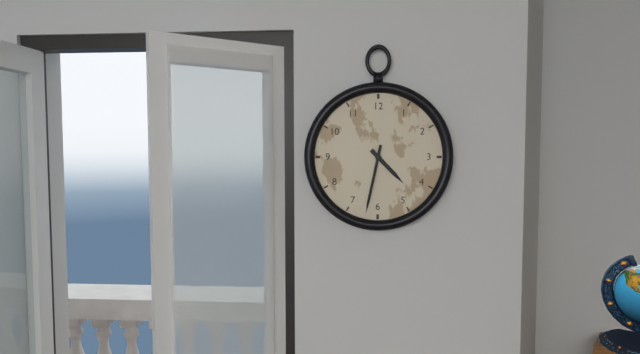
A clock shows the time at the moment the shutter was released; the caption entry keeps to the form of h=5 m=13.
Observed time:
h=4 m=32
